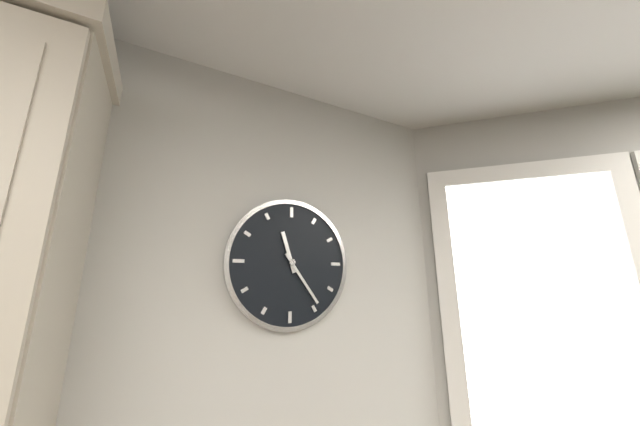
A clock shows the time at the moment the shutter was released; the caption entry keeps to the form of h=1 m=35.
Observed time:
h=11 m=24
